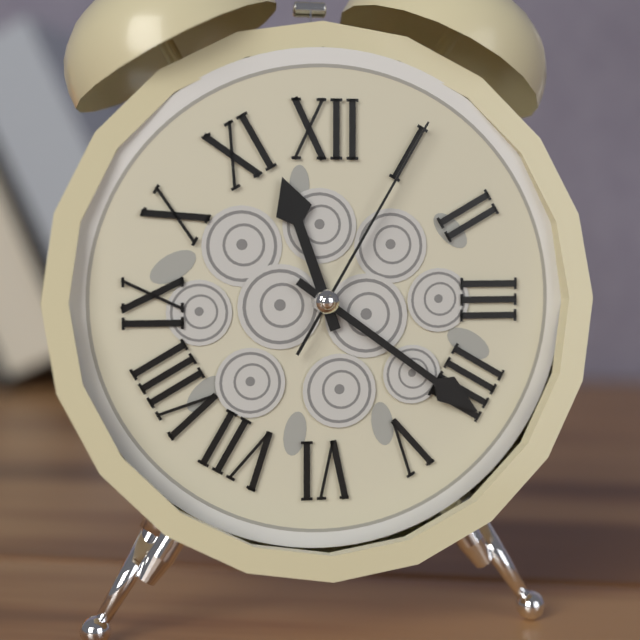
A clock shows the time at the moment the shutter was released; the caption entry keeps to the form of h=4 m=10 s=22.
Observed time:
h=11 m=21 s=5
